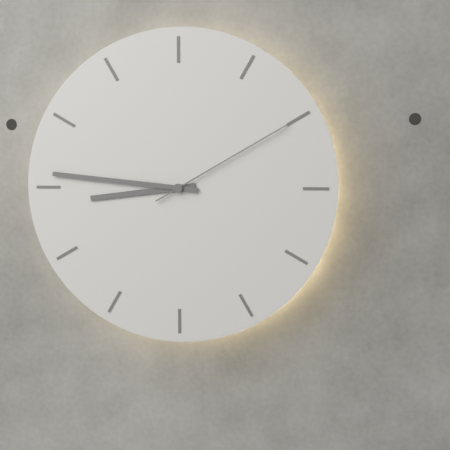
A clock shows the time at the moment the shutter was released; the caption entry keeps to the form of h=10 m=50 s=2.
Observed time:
h=8 m=46 s=10
